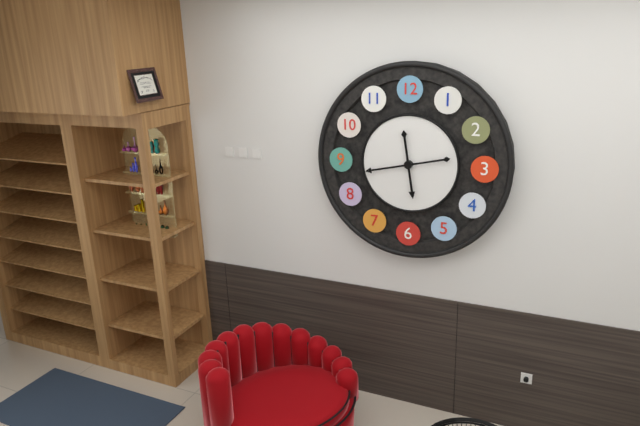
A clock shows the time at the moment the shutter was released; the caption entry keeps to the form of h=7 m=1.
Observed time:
h=5 m=43
